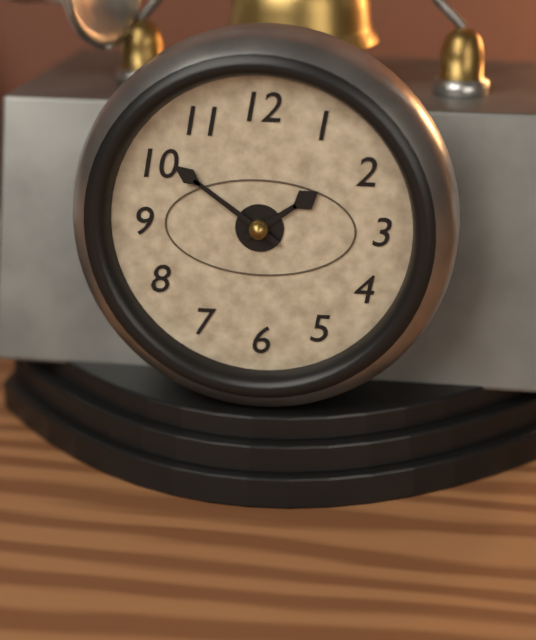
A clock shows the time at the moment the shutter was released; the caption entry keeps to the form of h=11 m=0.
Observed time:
h=1 m=51
